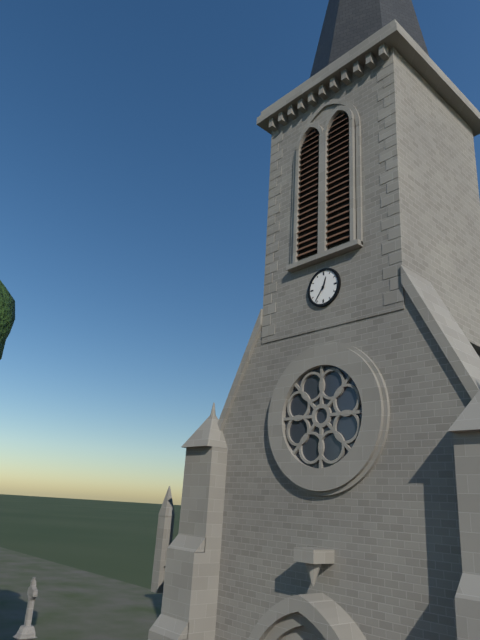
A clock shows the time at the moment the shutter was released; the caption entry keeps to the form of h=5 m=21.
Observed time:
h=12 m=36
